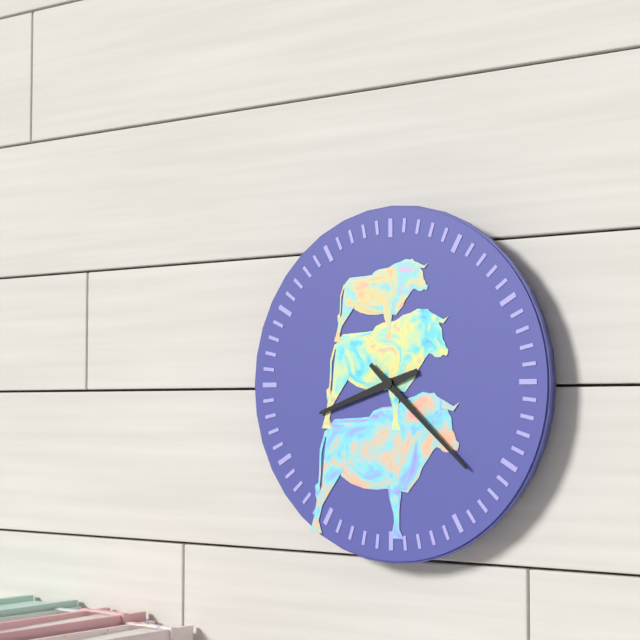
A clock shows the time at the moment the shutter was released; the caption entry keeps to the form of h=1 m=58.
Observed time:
h=8 m=22
